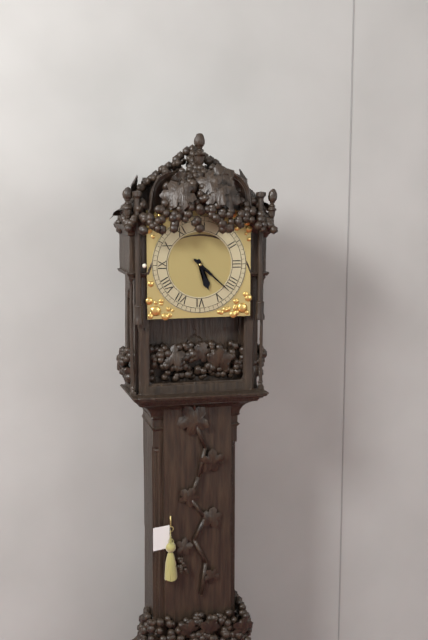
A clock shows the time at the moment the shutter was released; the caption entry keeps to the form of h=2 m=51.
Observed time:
h=5 m=22
